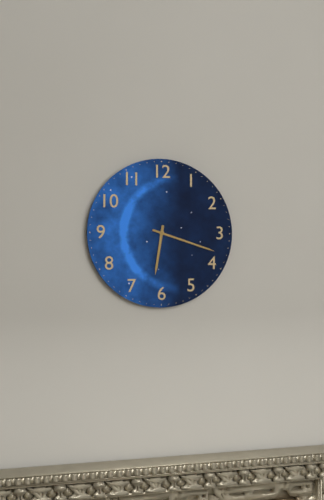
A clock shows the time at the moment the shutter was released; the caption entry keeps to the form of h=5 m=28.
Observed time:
h=6 m=18
